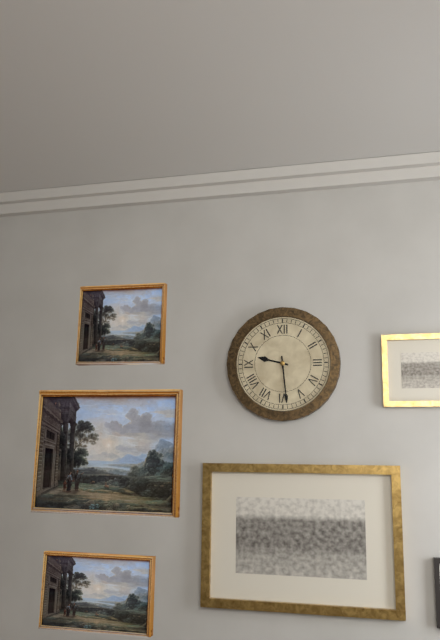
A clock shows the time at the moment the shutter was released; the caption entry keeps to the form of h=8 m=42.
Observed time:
h=9 m=29
